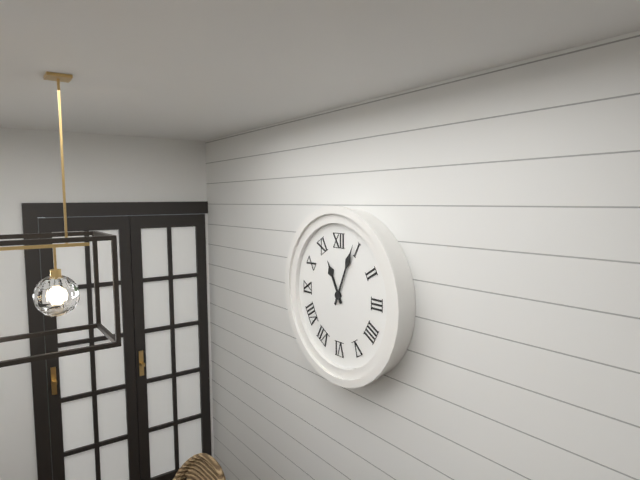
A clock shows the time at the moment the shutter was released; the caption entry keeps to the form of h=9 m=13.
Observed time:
h=11 m=4
